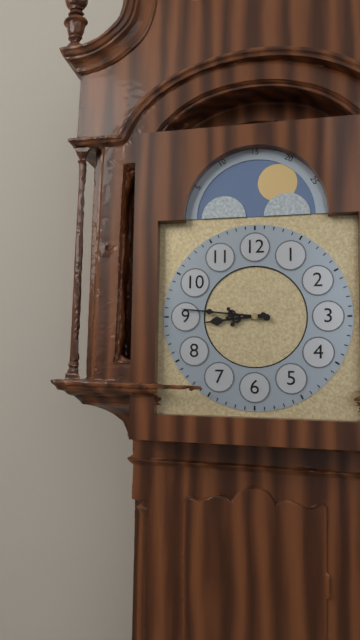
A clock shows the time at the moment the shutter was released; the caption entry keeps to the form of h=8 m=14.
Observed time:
h=8 m=46
